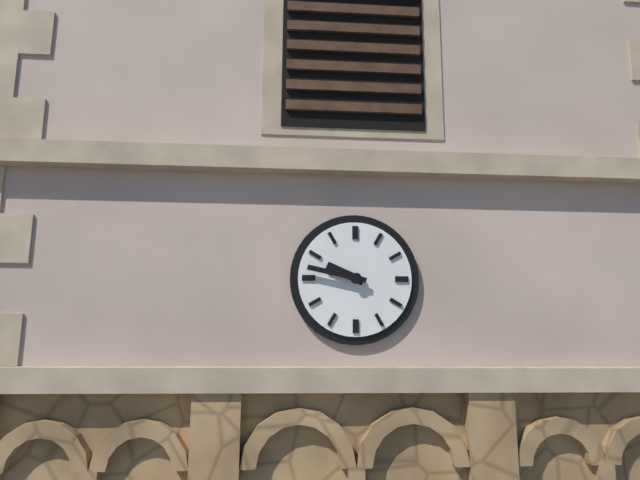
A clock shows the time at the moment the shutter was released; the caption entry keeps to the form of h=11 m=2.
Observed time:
h=9 m=47
